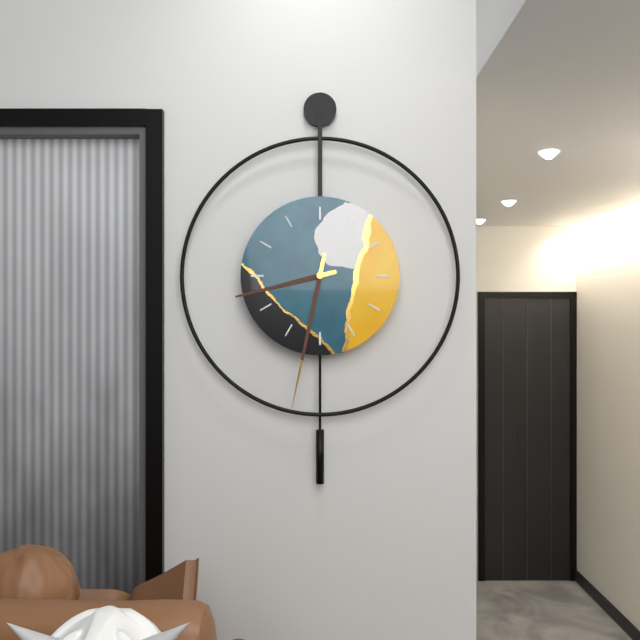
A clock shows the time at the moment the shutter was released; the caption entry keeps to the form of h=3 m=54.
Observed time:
h=8 m=32
